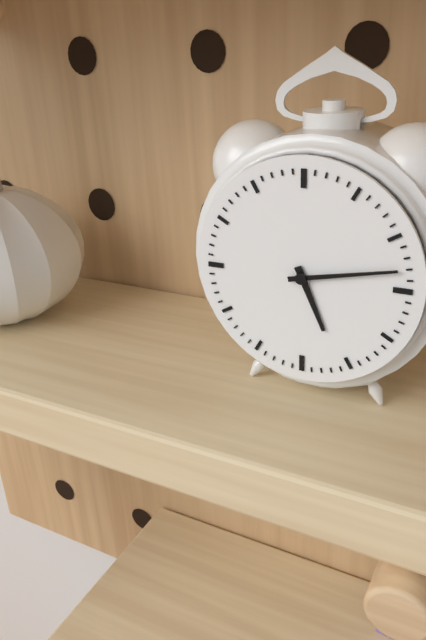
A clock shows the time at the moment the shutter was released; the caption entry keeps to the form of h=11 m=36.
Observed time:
h=5 m=13
